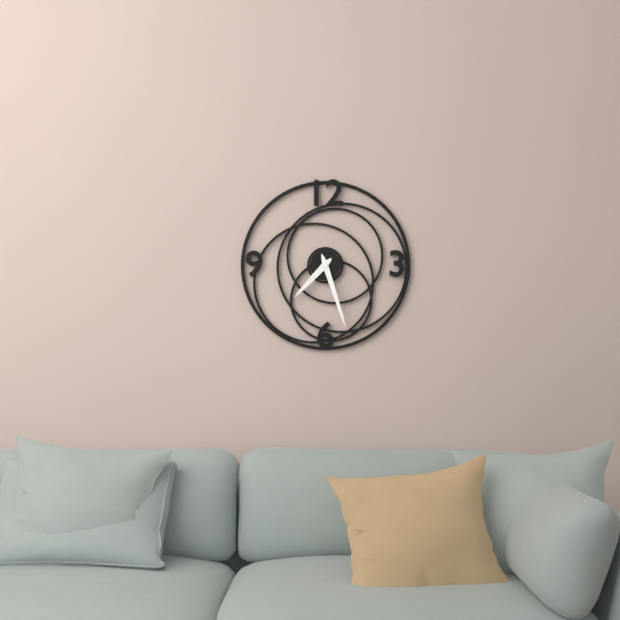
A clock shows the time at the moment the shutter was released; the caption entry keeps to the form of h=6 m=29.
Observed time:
h=7 m=27
